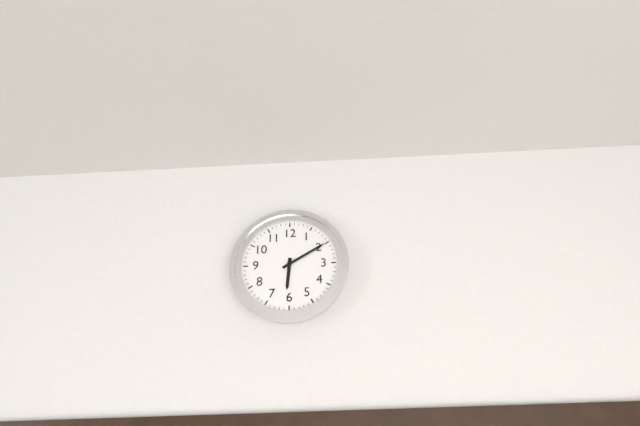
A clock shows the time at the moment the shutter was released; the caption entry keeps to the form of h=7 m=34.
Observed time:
h=6 m=10
